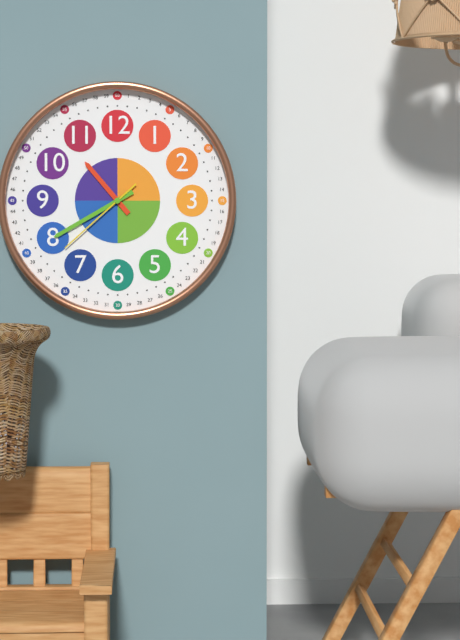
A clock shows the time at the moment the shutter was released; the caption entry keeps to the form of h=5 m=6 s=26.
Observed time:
h=10 m=40 s=38
